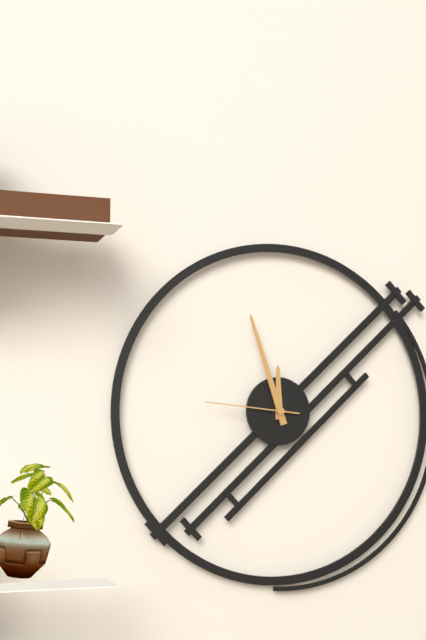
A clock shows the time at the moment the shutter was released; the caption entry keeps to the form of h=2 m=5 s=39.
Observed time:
h=11 m=57 s=46
